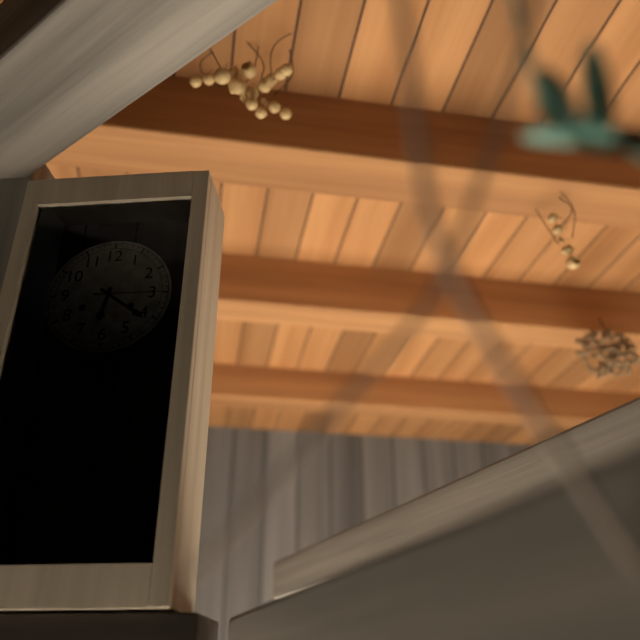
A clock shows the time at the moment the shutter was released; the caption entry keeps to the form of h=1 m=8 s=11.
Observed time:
h=6 m=21 s=15
